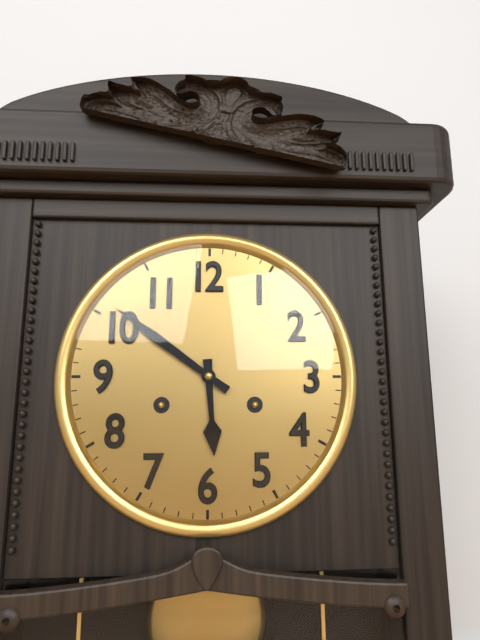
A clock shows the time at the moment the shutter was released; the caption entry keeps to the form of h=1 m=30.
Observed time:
h=5 m=51
